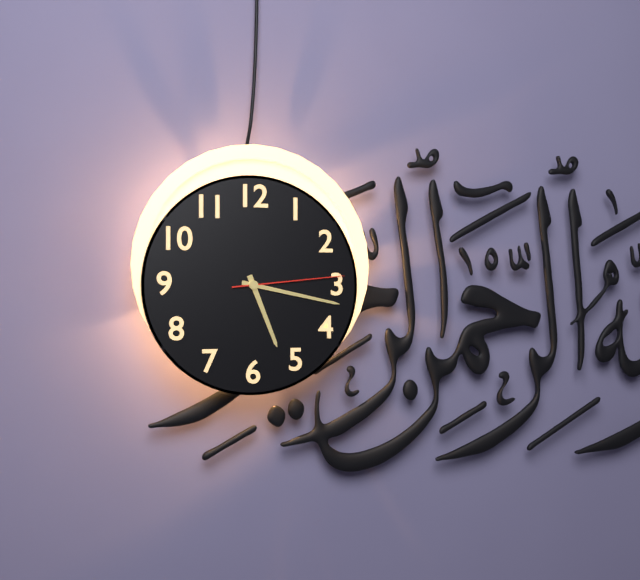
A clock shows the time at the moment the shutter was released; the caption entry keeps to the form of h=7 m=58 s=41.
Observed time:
h=5 m=17 s=14
